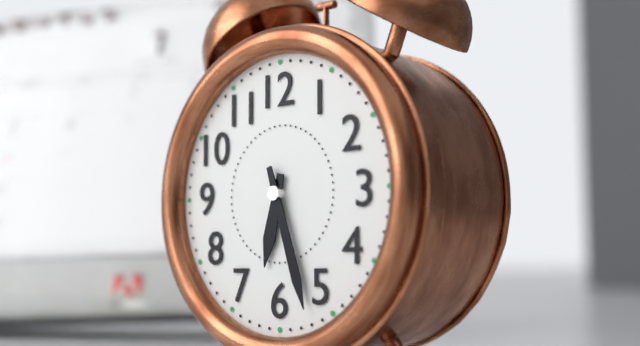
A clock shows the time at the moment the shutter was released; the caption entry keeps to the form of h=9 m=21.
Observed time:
h=6 m=27
